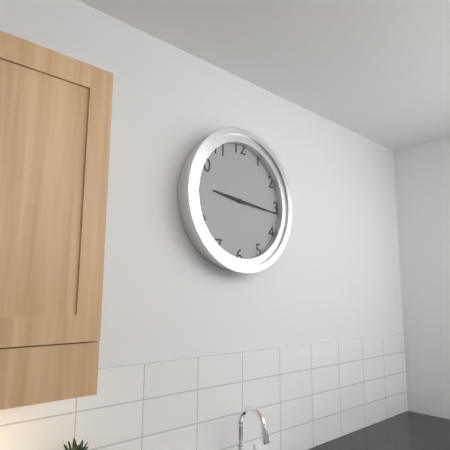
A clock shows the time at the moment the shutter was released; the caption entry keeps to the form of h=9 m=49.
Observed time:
h=9 m=16
